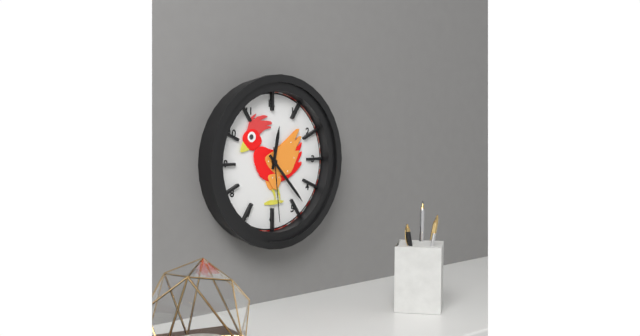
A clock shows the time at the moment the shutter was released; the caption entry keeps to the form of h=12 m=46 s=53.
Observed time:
h=12 m=23 s=29
